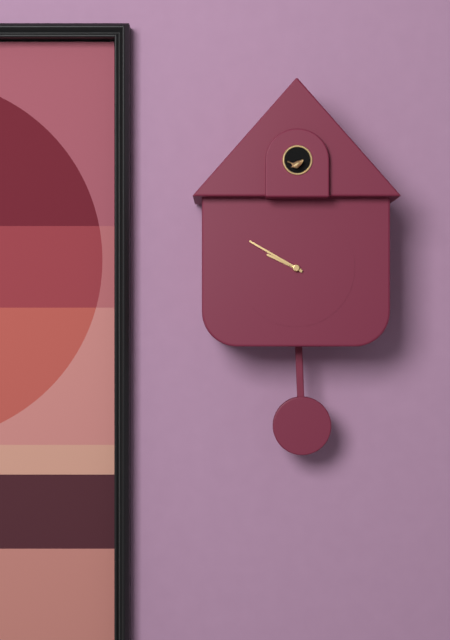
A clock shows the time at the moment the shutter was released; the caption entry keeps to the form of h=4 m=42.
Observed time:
h=9 m=50
